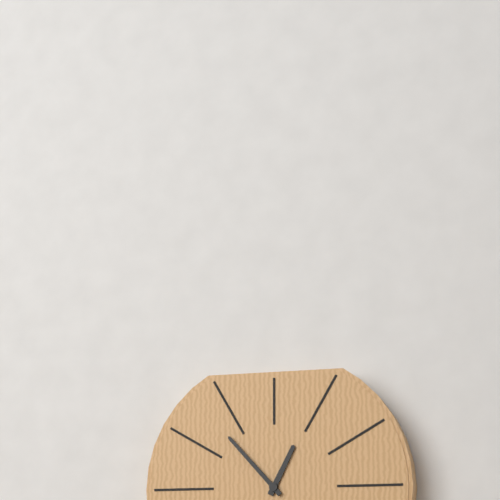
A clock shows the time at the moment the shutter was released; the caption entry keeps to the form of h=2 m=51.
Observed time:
h=12 m=53
